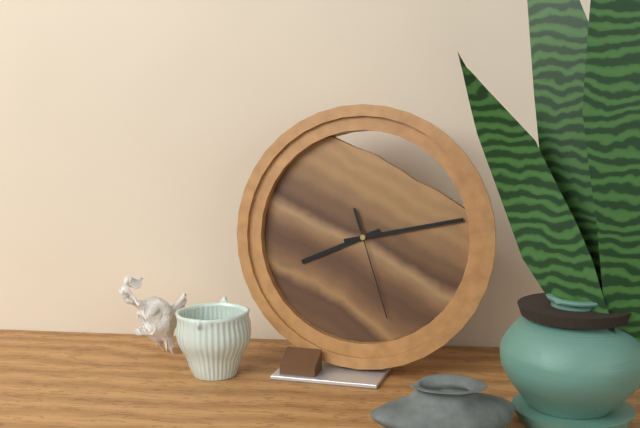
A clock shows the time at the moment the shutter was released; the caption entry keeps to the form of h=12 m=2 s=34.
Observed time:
h=8 m=13 s=27
